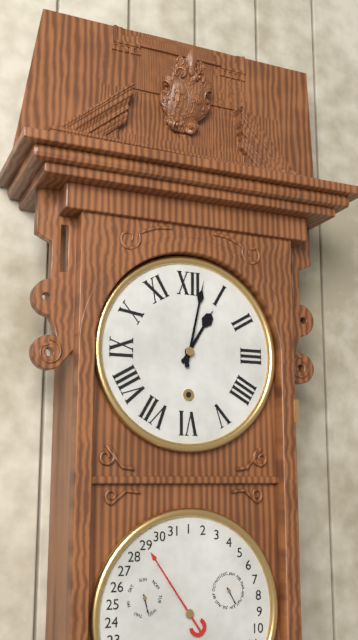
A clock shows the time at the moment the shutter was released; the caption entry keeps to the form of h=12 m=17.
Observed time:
h=1 m=2
